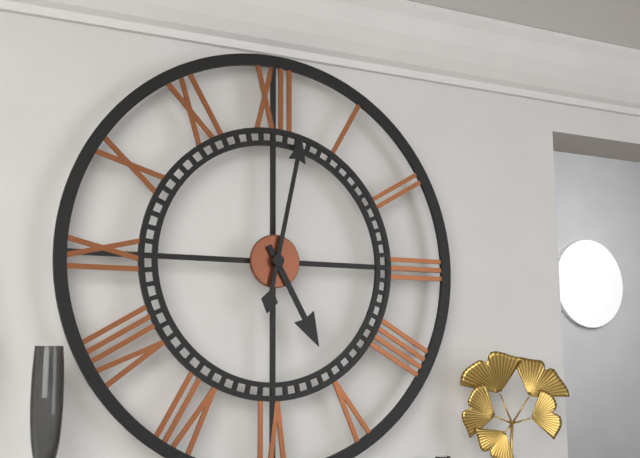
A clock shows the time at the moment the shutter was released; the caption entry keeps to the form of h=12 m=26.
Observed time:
h=5 m=2
